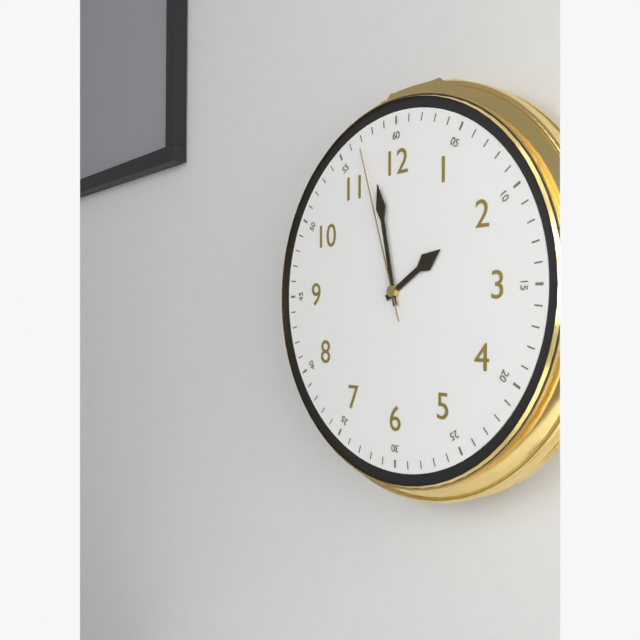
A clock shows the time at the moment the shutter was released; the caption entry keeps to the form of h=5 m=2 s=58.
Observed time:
h=1 m=58 s=57
